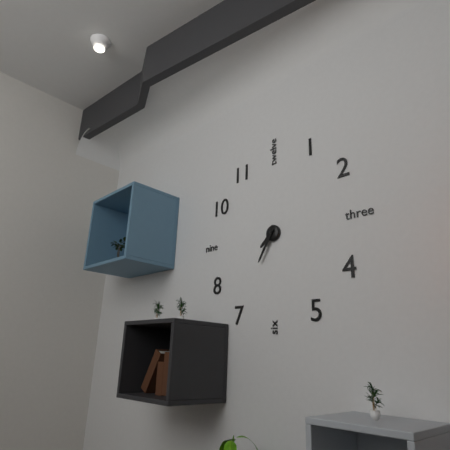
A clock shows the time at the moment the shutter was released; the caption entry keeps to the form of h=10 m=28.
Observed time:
h=7 m=35
